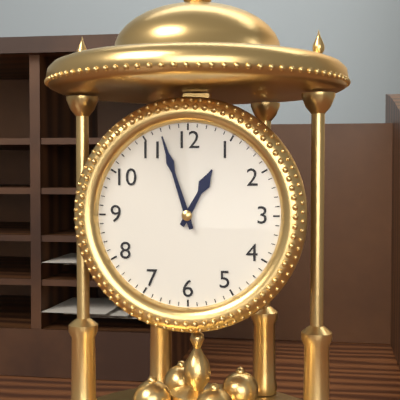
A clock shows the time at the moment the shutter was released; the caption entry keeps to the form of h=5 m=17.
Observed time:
h=12 m=57
